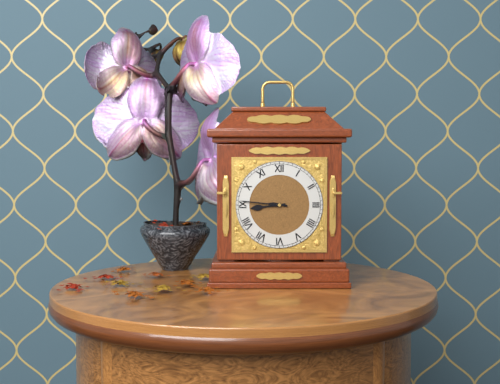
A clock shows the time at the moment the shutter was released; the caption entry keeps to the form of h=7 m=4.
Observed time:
h=8 m=46
